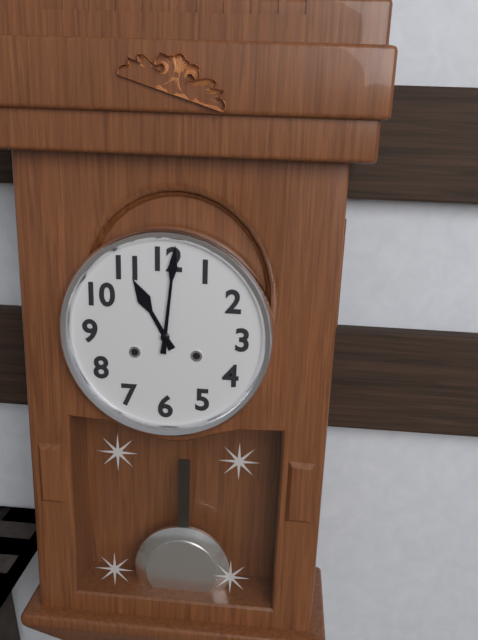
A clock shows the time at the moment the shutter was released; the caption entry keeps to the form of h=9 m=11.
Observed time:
h=11 m=1
